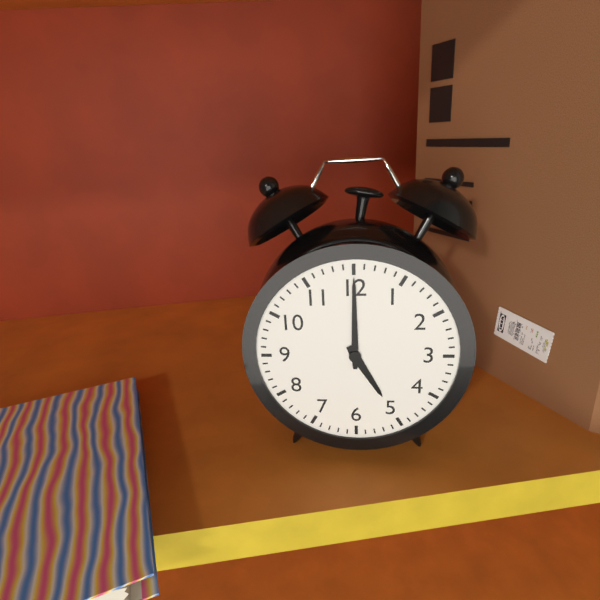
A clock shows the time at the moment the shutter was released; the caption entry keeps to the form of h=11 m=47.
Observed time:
h=5 m=0
